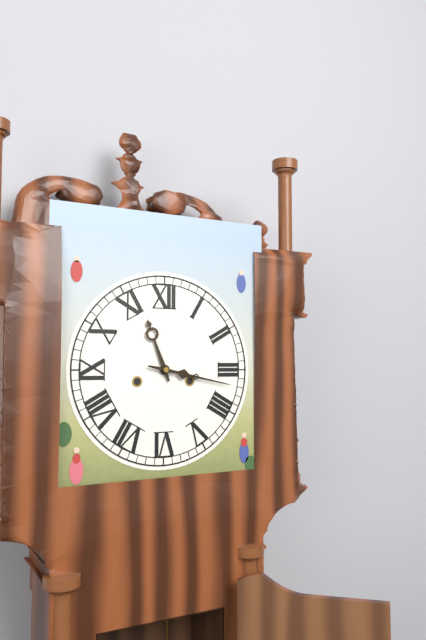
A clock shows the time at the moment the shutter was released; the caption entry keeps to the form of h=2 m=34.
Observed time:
h=11 m=17
